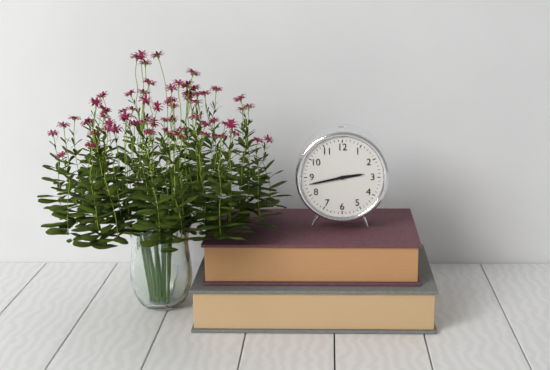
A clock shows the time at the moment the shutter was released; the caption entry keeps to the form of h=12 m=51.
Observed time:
h=2 m=43
